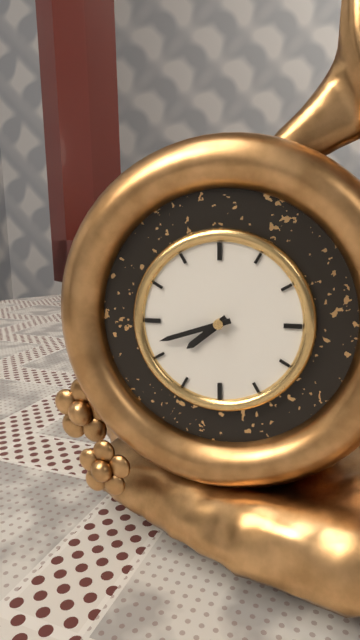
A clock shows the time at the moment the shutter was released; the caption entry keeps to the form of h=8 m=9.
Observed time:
h=7 m=42
